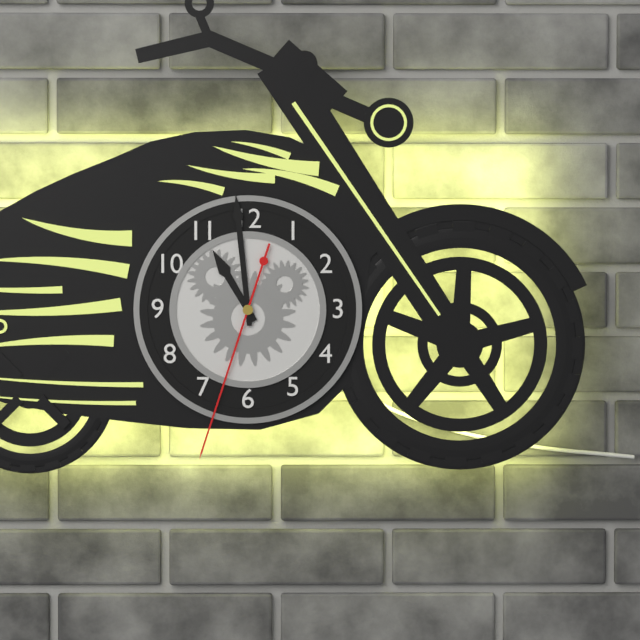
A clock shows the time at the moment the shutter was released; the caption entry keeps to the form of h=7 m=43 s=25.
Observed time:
h=10 m=59 s=33
